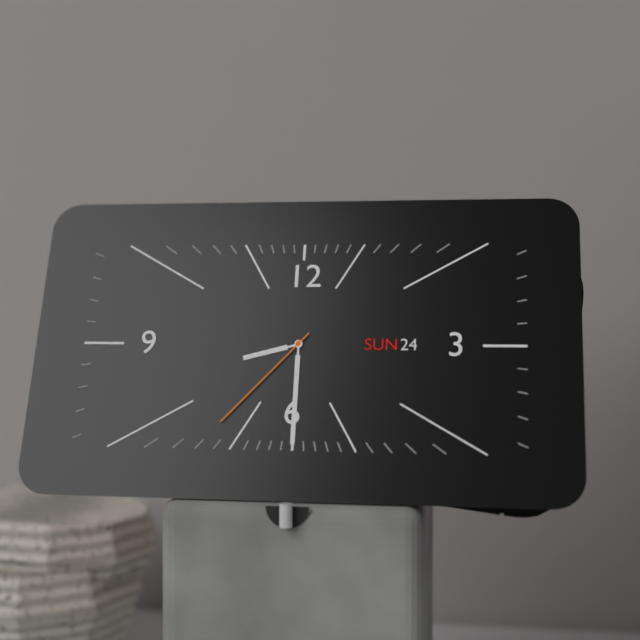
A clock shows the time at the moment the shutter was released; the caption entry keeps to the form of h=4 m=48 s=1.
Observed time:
h=8 m=30 s=37
